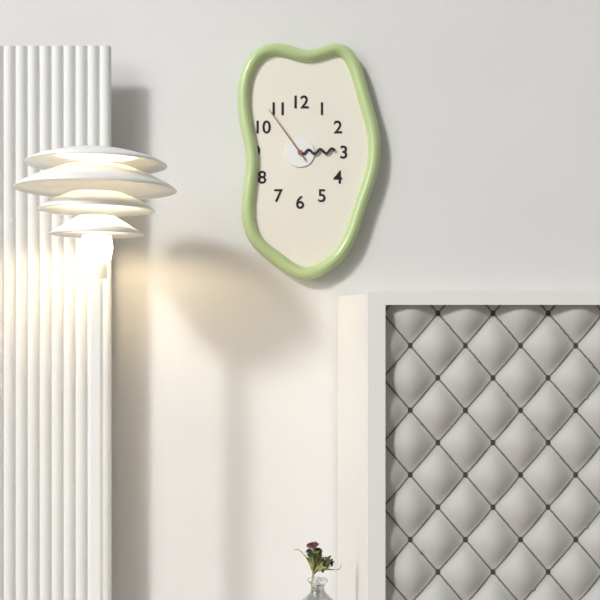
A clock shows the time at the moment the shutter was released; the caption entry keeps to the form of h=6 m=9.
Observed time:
h=2 m=54
